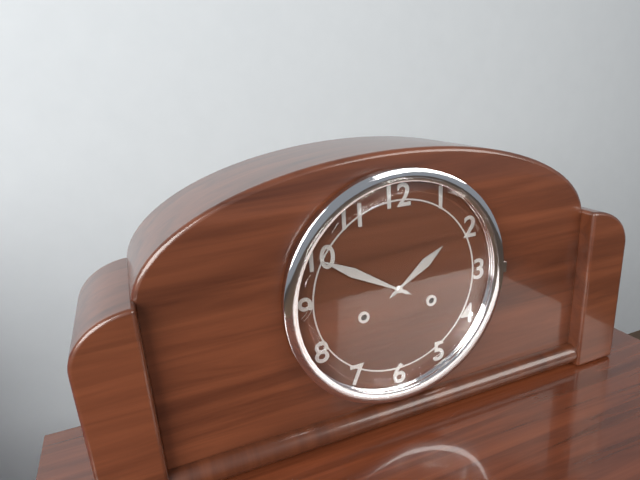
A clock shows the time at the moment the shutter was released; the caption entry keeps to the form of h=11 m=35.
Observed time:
h=1 m=50
